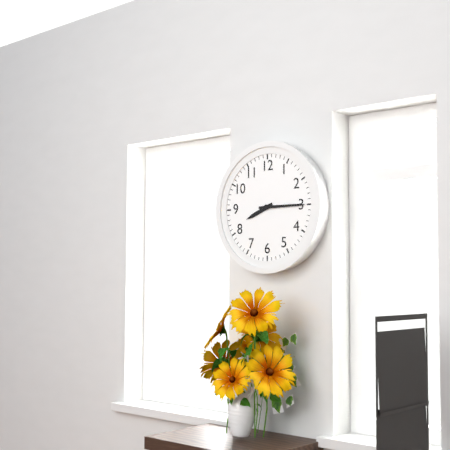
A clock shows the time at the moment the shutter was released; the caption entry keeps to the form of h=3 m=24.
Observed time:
h=8 m=15
